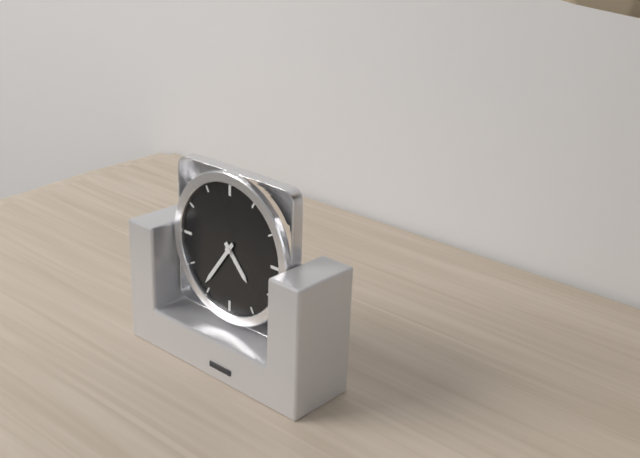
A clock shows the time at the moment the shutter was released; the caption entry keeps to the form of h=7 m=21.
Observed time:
h=4 m=36
